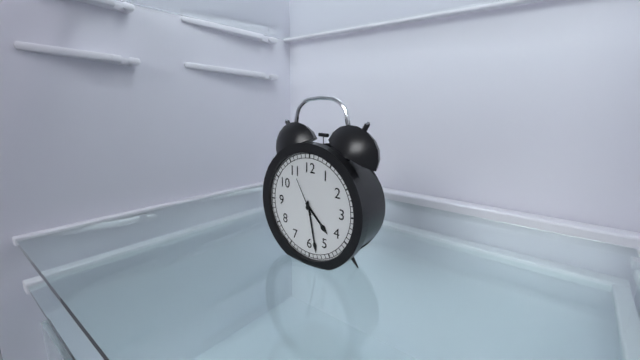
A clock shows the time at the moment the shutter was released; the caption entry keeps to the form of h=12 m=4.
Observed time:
h=4 m=28
